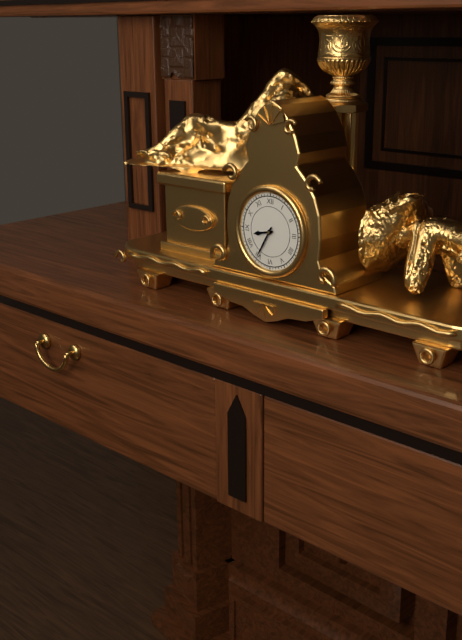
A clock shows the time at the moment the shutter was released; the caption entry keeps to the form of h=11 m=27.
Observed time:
h=8 m=35
